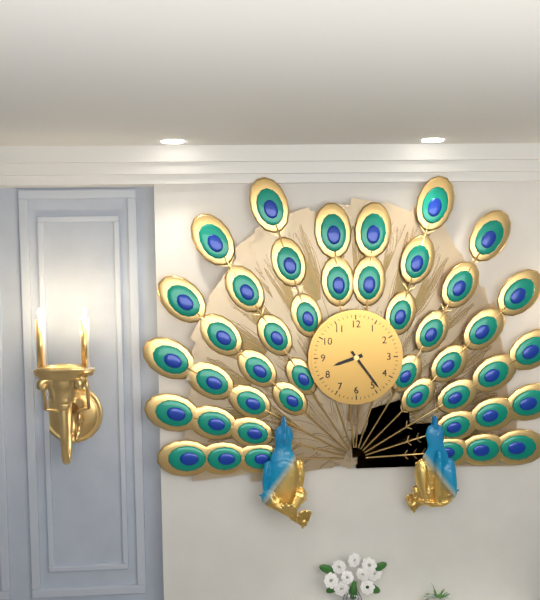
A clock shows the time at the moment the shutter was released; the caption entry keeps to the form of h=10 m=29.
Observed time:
h=8 m=24
